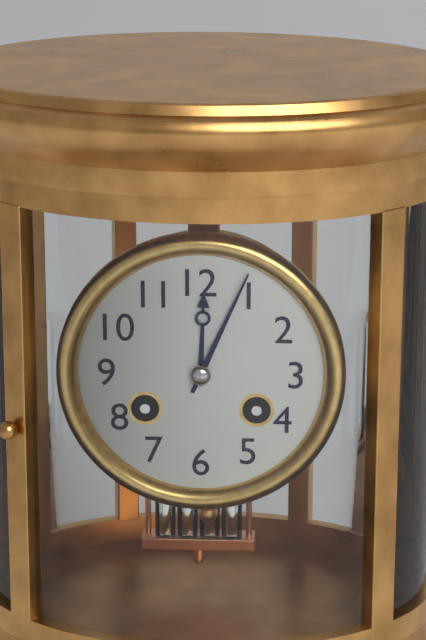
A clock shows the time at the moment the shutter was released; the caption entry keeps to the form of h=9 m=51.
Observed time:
h=12 m=4
